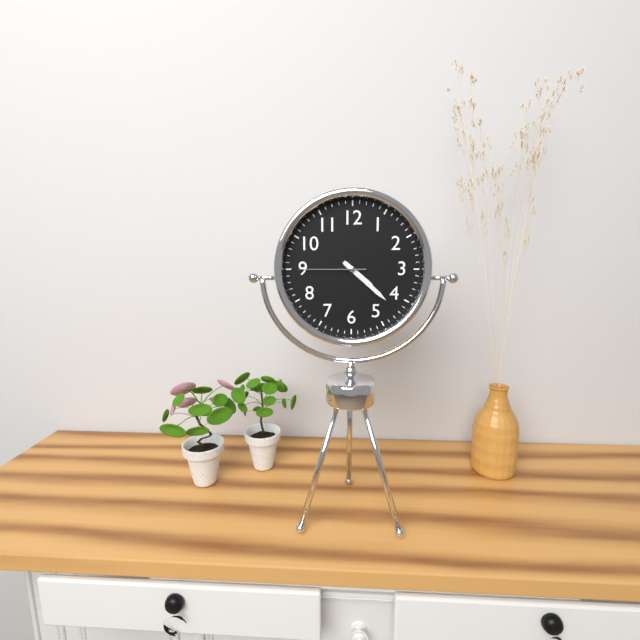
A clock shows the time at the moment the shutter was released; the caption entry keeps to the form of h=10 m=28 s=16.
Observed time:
h=4 m=22 s=45
